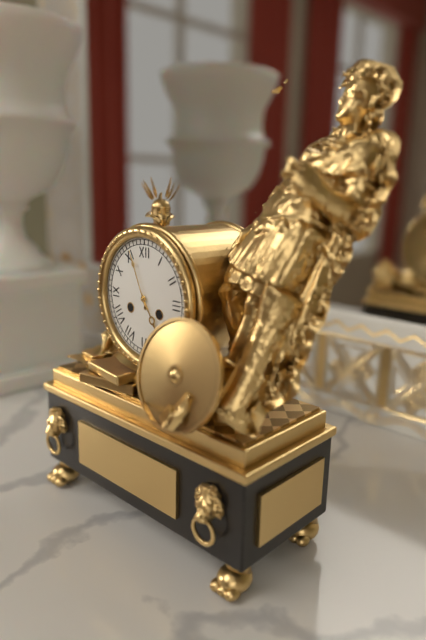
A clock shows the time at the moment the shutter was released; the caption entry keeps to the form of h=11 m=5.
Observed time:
h=4 m=56
